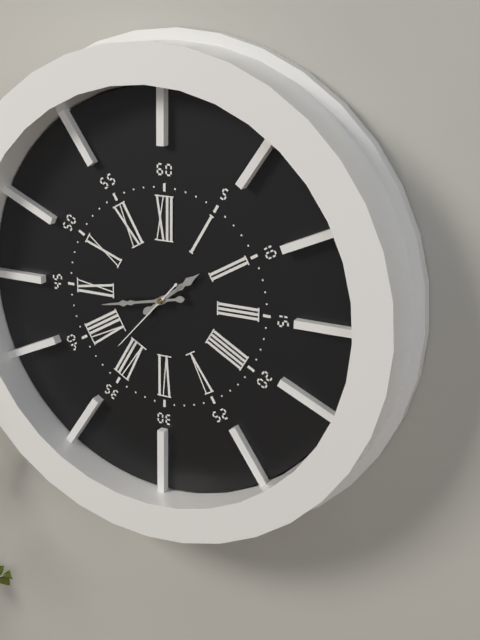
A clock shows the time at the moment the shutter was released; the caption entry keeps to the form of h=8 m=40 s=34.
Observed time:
h=1 m=43 s=37
